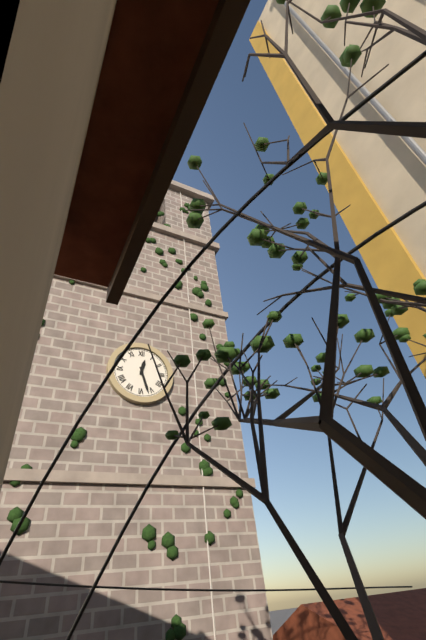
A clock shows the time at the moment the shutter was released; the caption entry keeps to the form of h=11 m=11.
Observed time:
h=12 m=27
